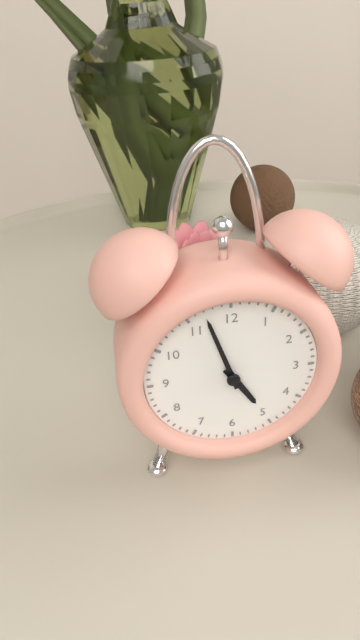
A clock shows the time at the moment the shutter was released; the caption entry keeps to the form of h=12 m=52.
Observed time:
h=4 m=57
